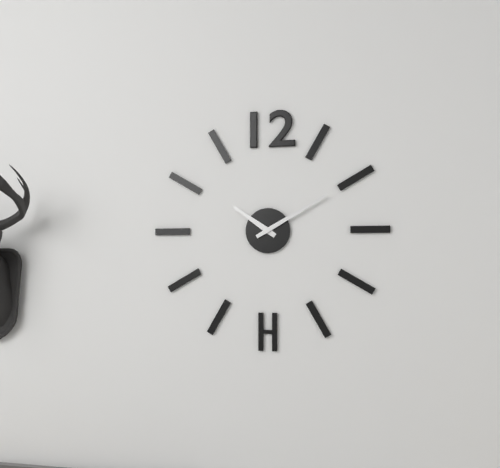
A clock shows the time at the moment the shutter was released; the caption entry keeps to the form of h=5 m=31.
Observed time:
h=10 m=10
